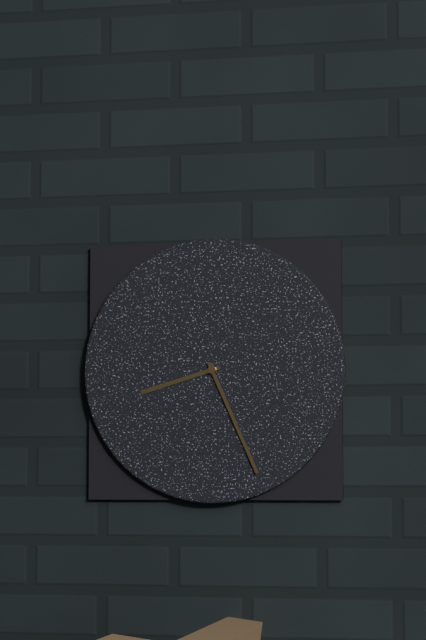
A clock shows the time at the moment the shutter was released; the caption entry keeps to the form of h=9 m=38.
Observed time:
h=8 m=26
